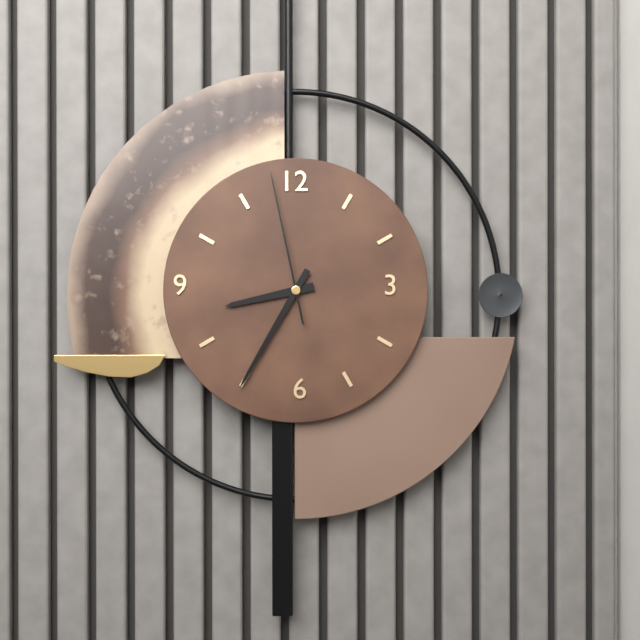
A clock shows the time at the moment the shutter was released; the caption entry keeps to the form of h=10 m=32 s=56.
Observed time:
h=8 m=35 s=58
